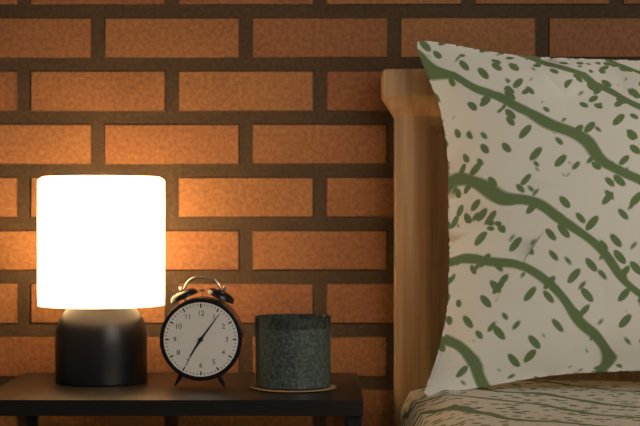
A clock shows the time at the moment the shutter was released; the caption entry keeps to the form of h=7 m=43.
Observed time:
h=7 m=6
